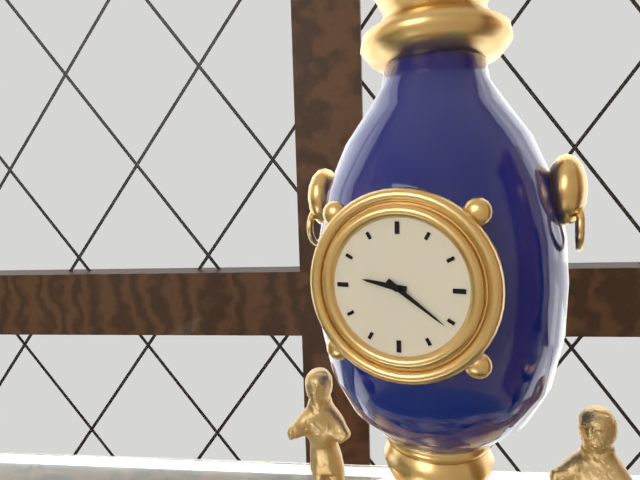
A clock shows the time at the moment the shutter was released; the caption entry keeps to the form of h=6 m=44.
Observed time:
h=9 m=21
